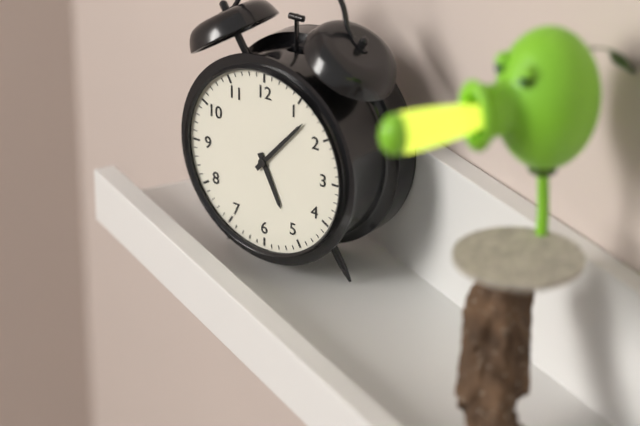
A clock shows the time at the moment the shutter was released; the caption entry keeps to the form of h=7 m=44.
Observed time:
h=5 m=7
